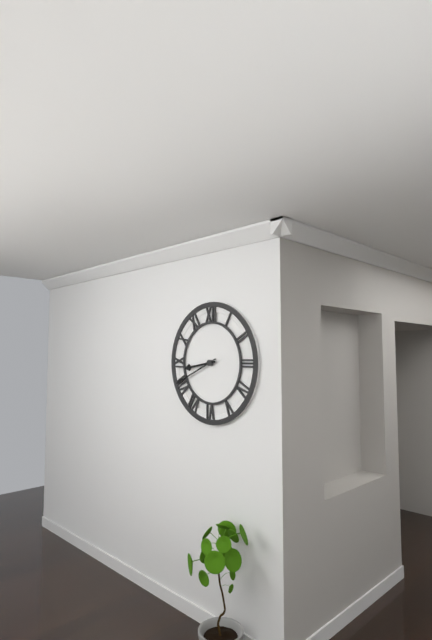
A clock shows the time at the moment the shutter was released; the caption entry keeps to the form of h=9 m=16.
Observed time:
h=8 m=41
